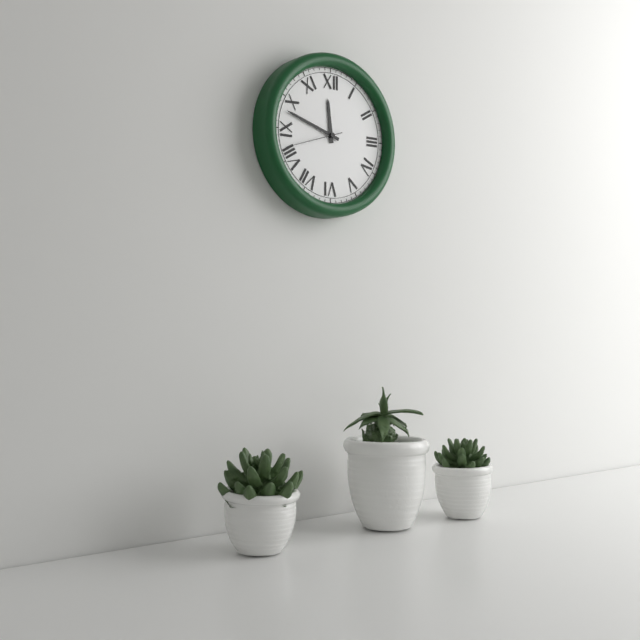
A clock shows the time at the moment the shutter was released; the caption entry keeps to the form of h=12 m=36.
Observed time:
h=11 m=48
